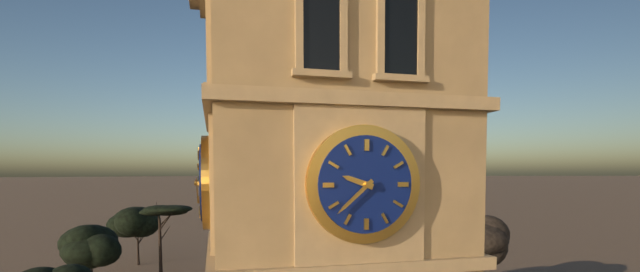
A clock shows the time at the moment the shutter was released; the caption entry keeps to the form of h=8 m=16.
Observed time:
h=9 m=38
